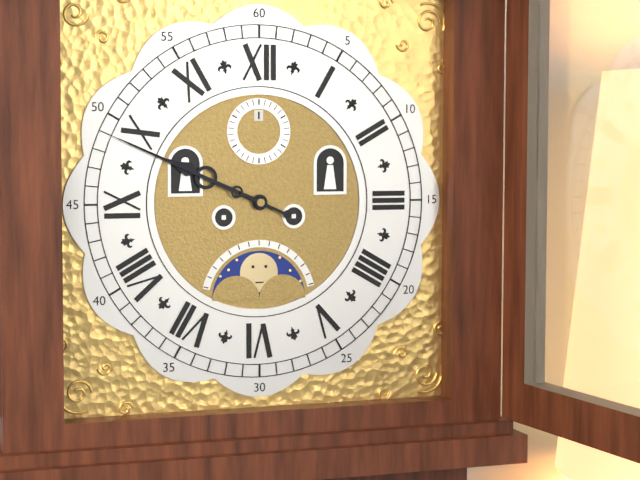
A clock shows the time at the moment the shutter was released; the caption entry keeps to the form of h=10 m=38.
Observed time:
h=9 m=49
